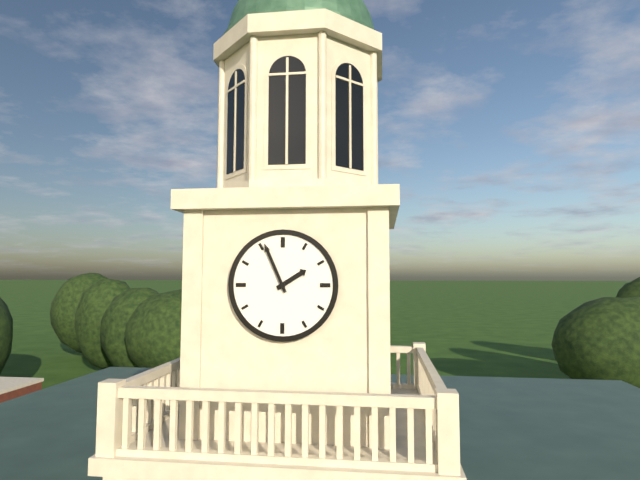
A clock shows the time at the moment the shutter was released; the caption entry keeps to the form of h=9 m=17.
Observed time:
h=1 m=56
